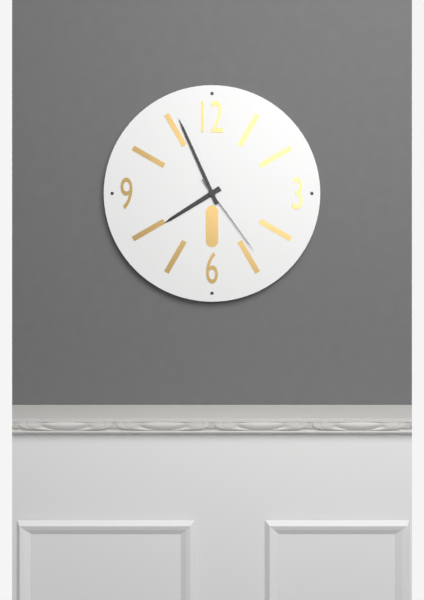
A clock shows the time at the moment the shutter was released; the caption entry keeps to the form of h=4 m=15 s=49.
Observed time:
h=7 m=56 s=24
